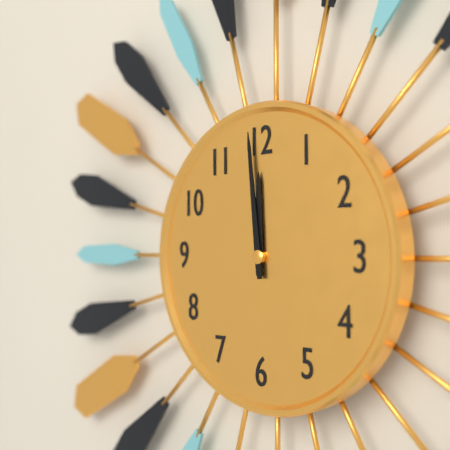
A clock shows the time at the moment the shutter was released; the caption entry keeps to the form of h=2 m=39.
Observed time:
h=11 m=59
